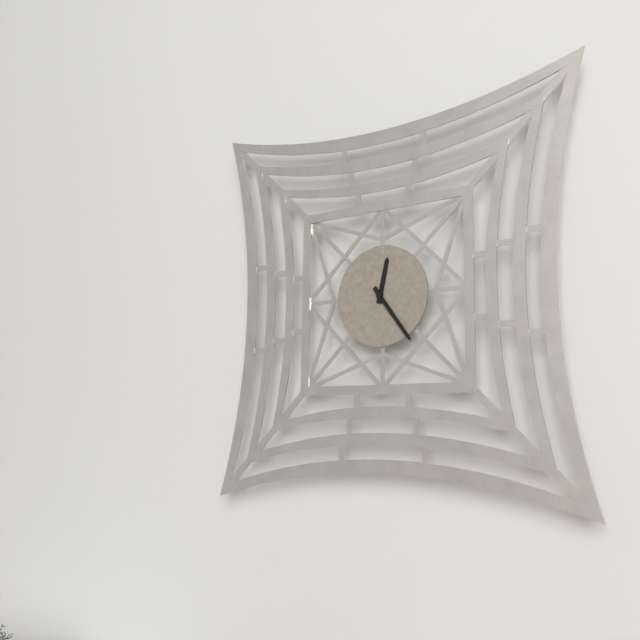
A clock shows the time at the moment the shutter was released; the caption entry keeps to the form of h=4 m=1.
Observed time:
h=12 m=24
